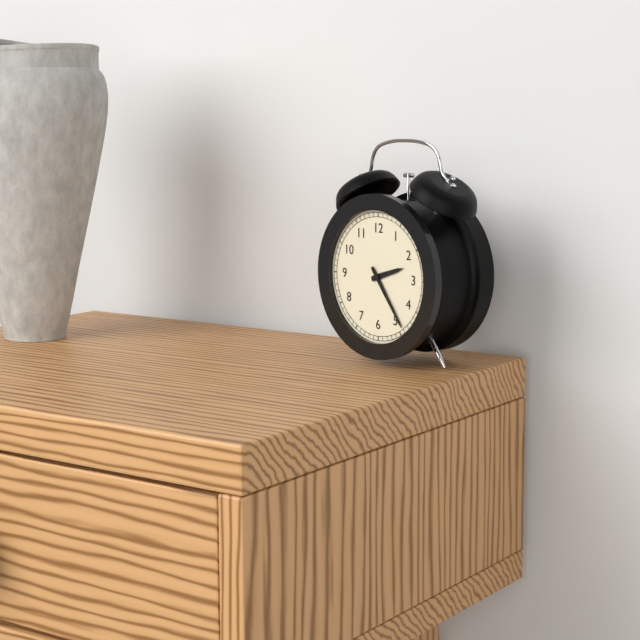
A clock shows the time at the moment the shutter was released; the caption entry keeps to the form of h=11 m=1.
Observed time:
h=2 m=24
